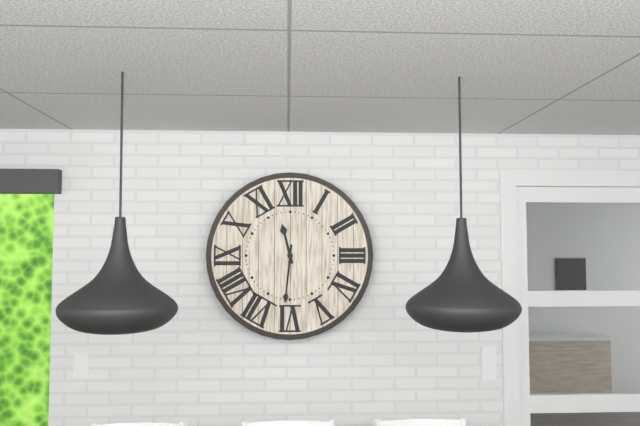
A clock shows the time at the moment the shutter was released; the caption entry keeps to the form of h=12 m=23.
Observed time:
h=11 m=31
